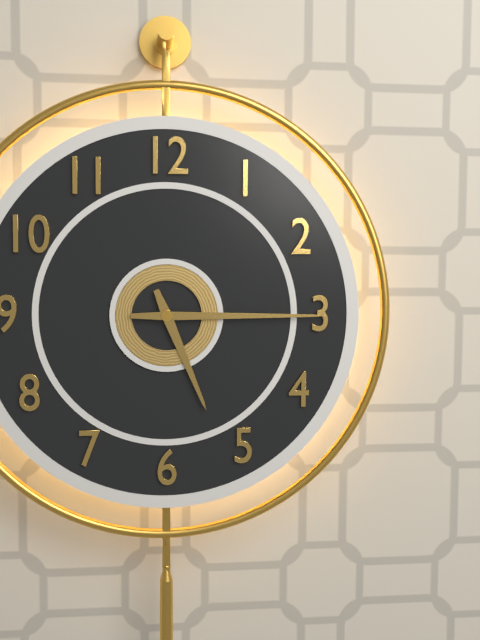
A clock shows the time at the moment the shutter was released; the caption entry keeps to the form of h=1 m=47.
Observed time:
h=5 m=15
